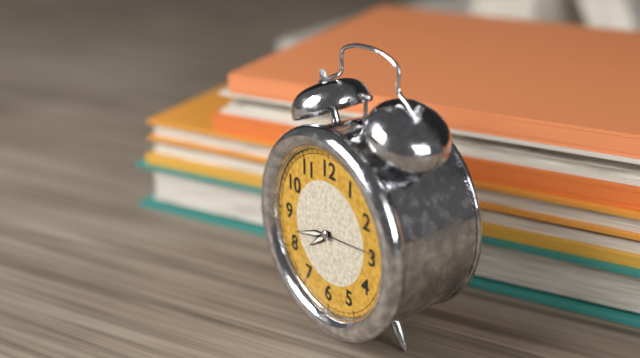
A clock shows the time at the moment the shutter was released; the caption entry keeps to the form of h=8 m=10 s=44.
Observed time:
h=7 m=42 s=14
